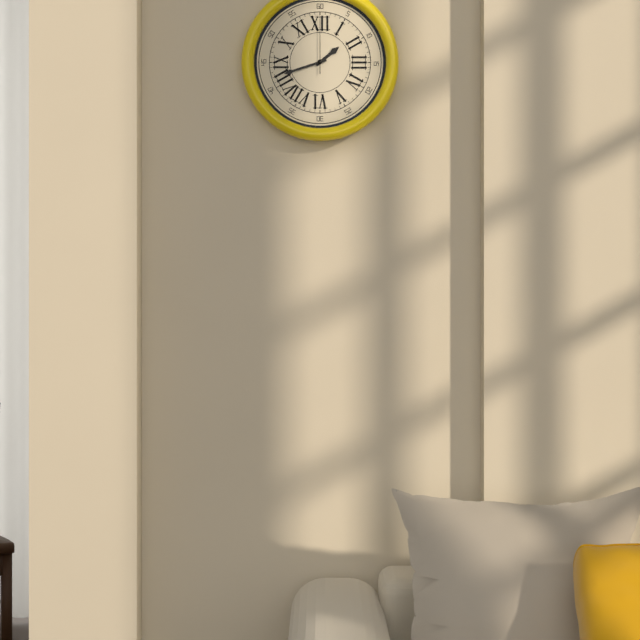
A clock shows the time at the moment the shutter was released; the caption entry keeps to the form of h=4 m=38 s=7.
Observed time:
h=1 m=42 s=0
